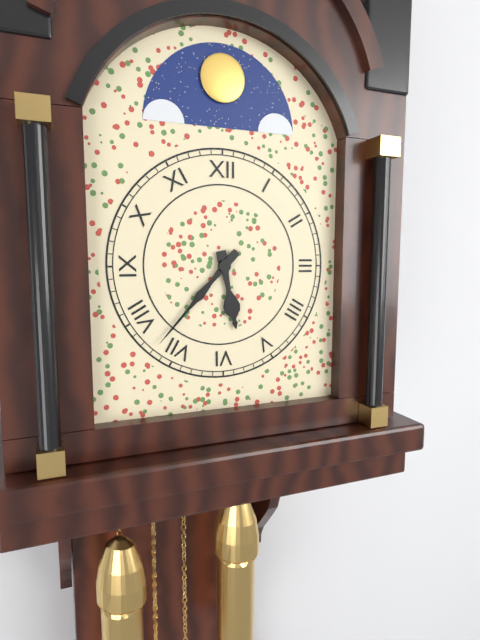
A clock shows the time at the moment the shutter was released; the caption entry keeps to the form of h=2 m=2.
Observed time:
h=5 m=37
